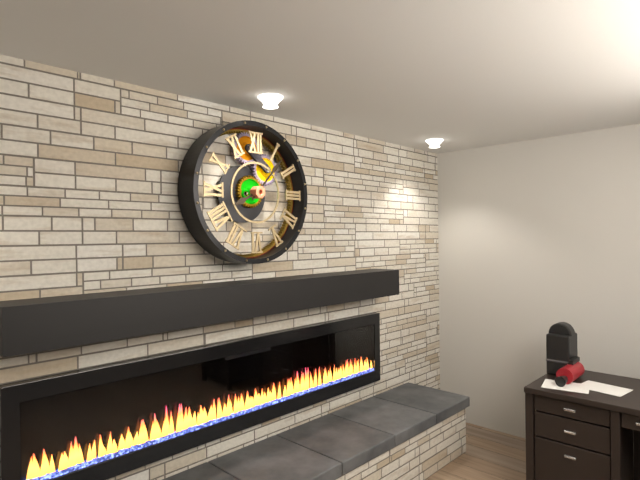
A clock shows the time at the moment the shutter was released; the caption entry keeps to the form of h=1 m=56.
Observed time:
h=8 m=7
